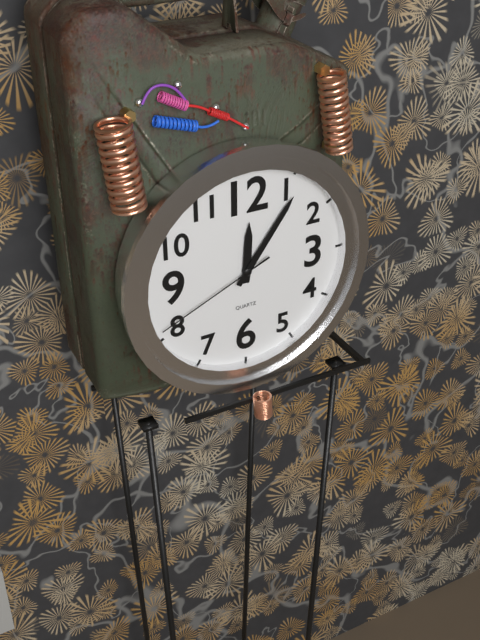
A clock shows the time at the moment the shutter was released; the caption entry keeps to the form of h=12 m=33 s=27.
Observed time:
h=12 m=6 s=41
